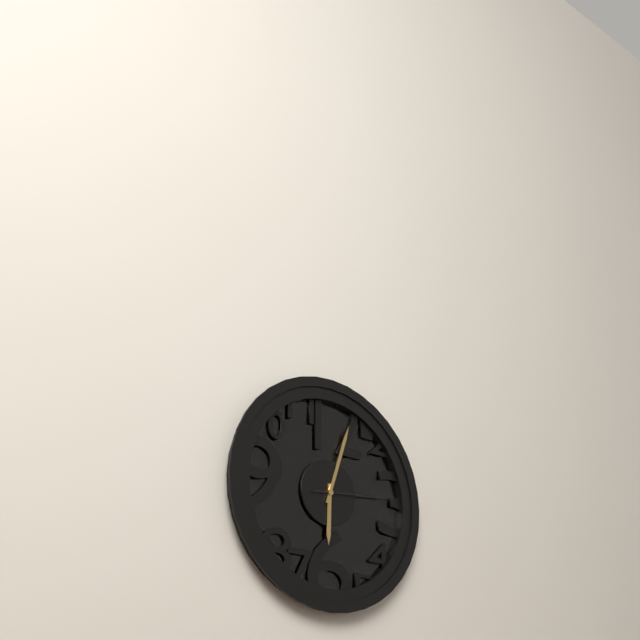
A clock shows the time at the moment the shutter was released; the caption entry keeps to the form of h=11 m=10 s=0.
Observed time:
h=6 m=3 s=14
